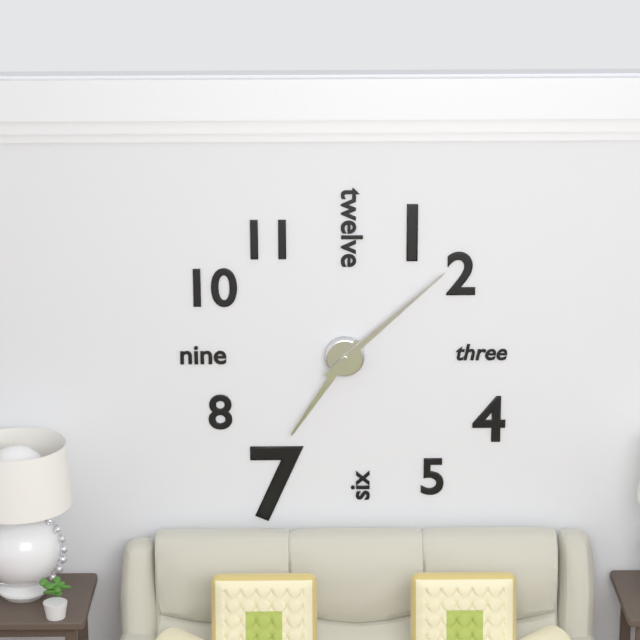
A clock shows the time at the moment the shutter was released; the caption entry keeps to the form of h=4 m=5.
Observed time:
h=7 m=8
